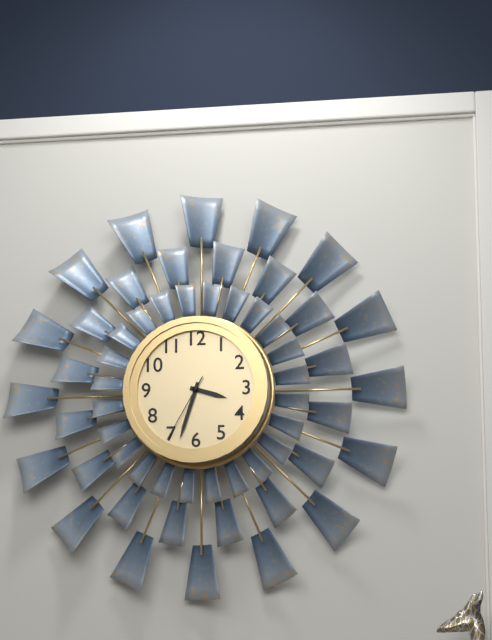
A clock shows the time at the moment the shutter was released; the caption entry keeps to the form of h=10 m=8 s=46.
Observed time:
h=3 m=33 s=35
